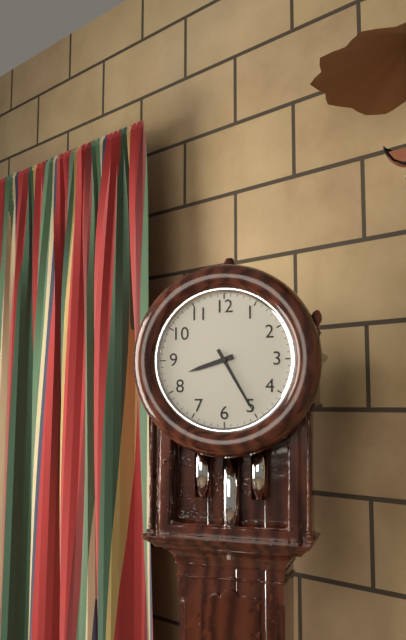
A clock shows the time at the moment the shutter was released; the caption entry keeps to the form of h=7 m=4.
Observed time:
h=8 m=25
